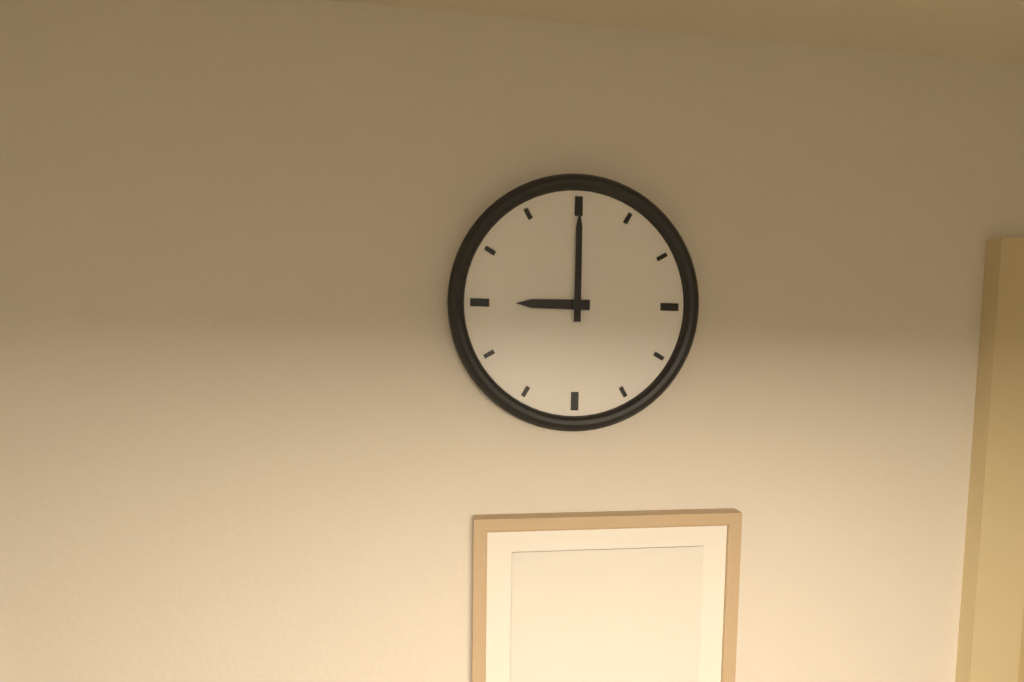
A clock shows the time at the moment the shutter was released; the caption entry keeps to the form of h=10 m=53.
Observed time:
h=9 m=0
